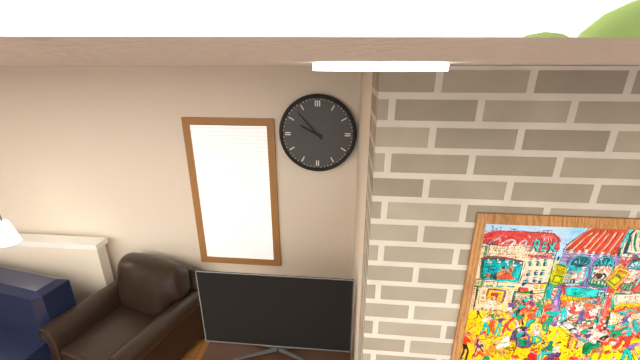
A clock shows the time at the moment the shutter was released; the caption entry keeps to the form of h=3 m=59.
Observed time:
h=9 m=53
